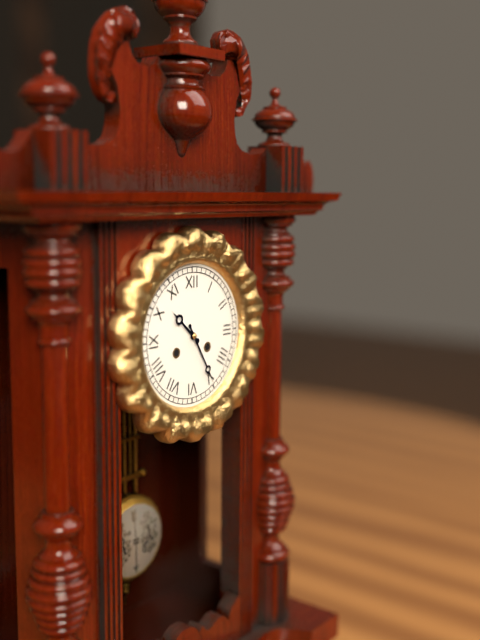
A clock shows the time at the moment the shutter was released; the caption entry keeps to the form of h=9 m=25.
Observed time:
h=10 m=25
